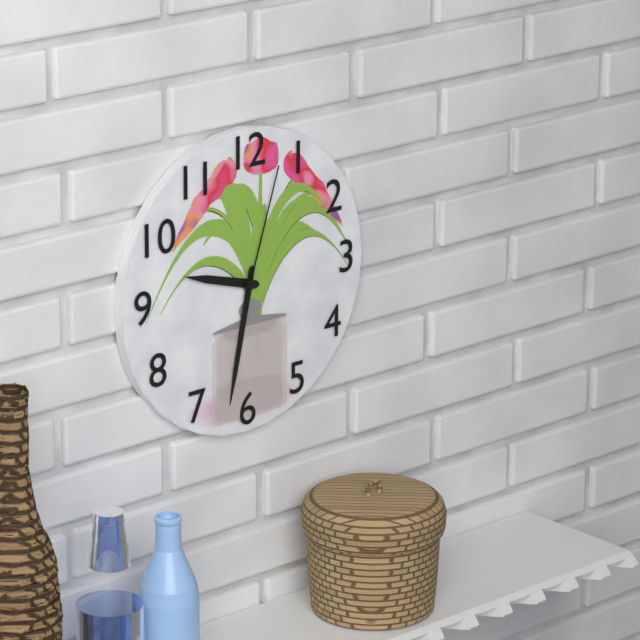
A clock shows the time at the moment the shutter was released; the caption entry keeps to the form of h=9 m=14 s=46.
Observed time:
h=9 m=32 s=3
